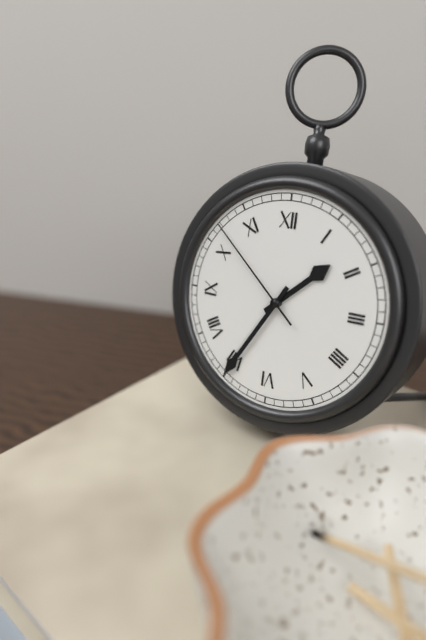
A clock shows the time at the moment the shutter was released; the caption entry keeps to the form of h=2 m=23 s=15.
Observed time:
h=1 m=35 s=52
